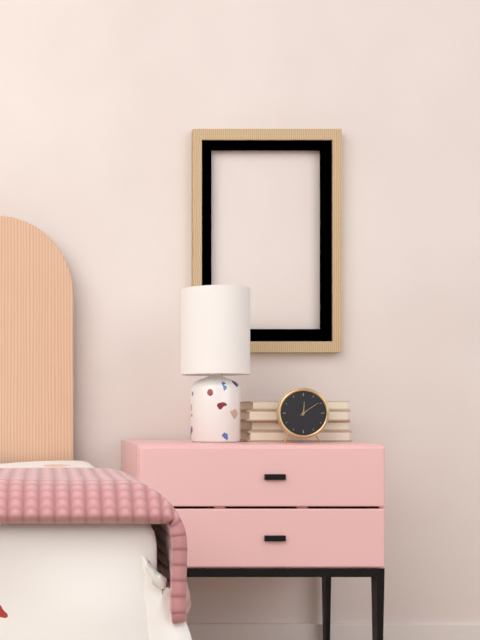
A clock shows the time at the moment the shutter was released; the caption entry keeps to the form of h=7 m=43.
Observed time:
h=12 m=9
